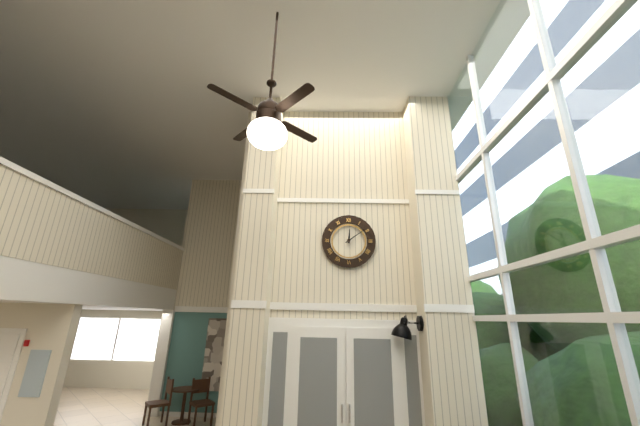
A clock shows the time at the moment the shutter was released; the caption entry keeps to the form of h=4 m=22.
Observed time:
h=12 m=9
